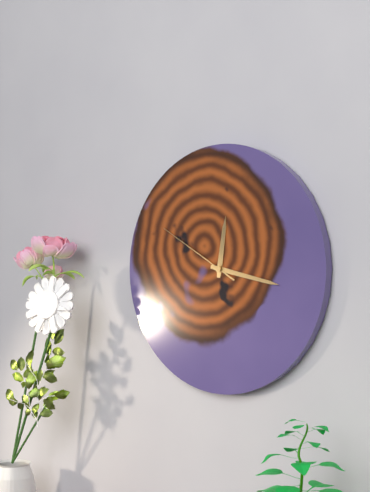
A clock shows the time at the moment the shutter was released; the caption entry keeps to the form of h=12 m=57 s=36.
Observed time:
h=12 m=17 s=50
